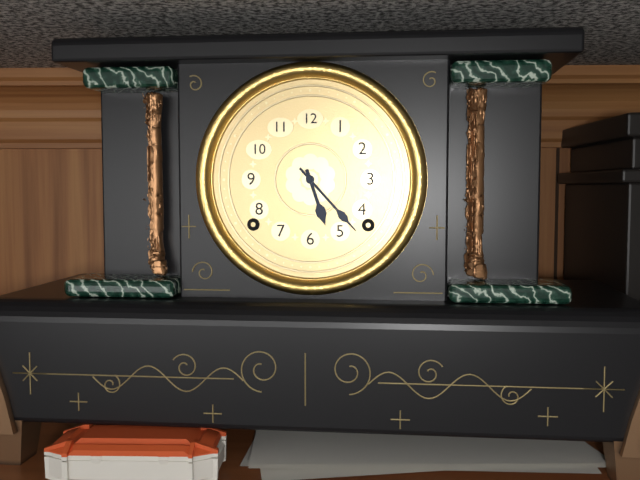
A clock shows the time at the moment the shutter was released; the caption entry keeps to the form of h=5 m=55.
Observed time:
h=5 m=23
